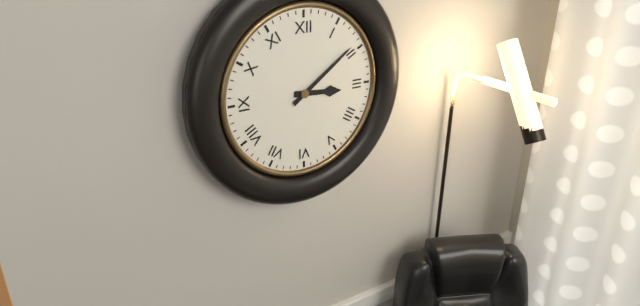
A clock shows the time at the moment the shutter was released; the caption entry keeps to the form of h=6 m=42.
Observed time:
h=3 m=9
